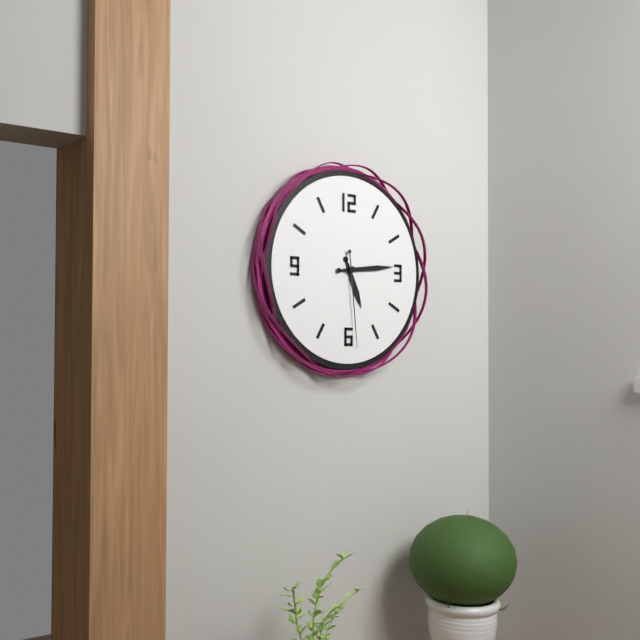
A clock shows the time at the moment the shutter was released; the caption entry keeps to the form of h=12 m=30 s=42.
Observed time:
h=5 m=14 s=29
